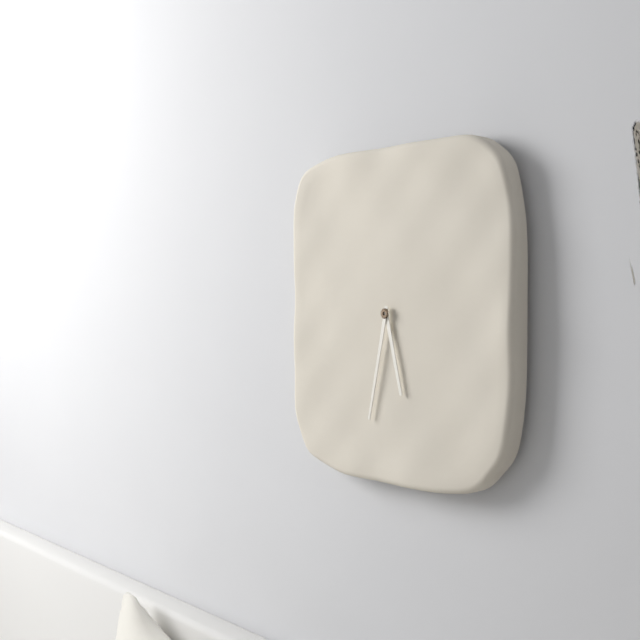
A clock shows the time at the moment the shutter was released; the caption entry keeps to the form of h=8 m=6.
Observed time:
h=5 m=32
